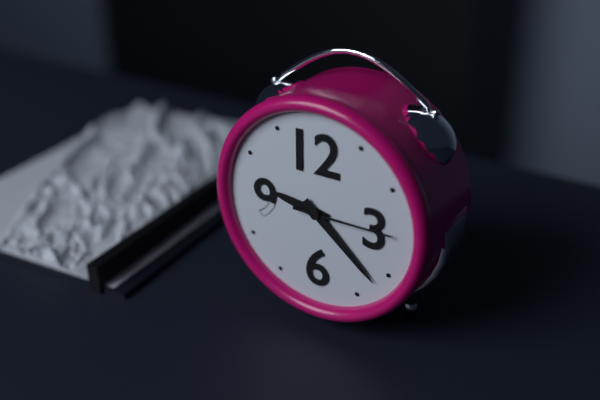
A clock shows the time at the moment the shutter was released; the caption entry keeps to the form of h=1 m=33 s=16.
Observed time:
h=9 m=22 s=15
